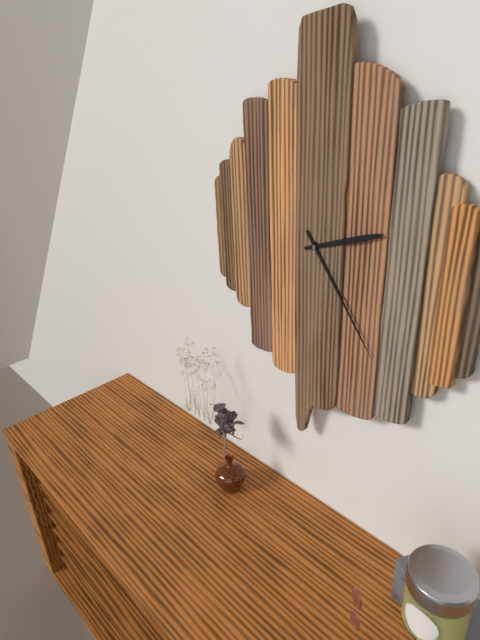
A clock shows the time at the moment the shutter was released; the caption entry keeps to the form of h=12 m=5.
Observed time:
h=2 m=24
